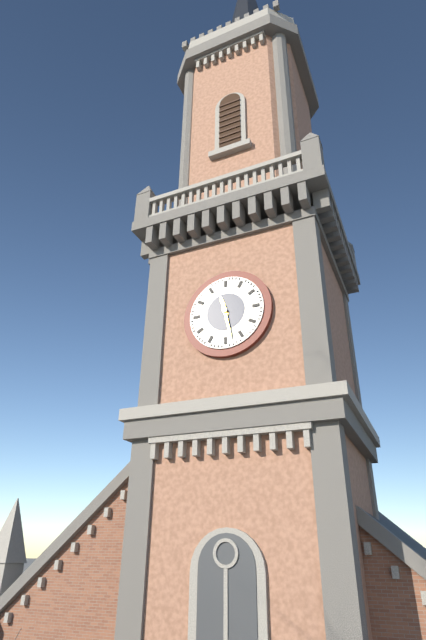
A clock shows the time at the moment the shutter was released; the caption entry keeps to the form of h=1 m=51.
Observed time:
h=11 m=28
